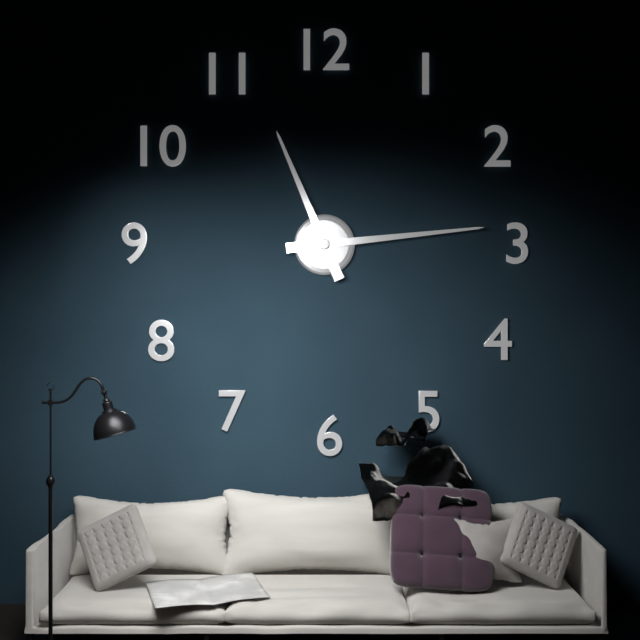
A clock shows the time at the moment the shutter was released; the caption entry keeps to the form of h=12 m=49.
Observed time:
h=11 m=14
